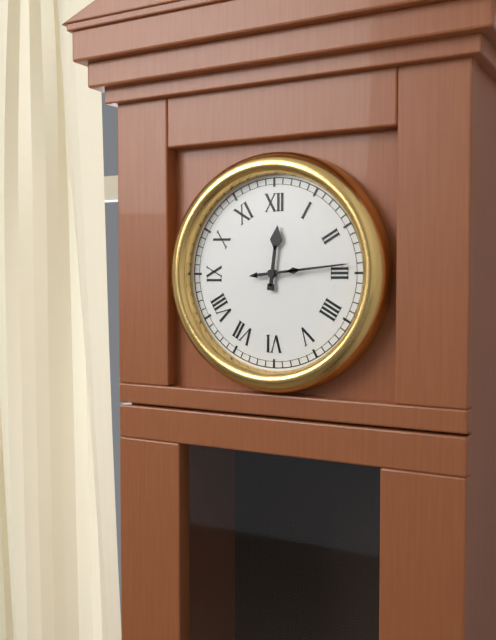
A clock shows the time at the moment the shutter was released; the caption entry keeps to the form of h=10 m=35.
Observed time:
h=12 m=14
